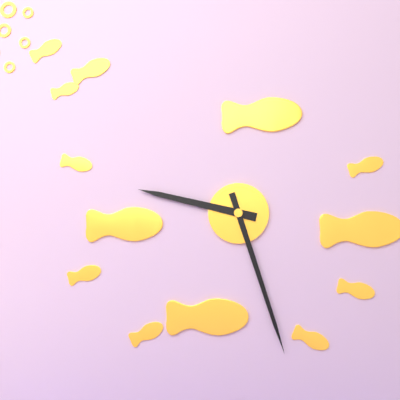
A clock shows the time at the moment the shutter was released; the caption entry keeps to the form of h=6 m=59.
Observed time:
h=9 m=27
